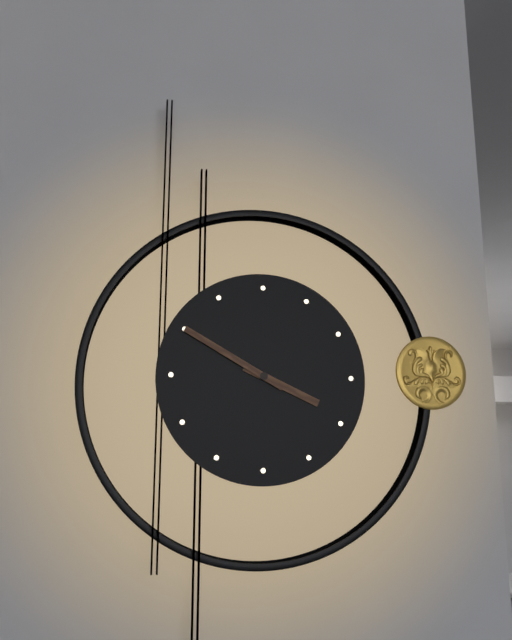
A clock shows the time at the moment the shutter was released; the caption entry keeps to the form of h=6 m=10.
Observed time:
h=3 m=50
